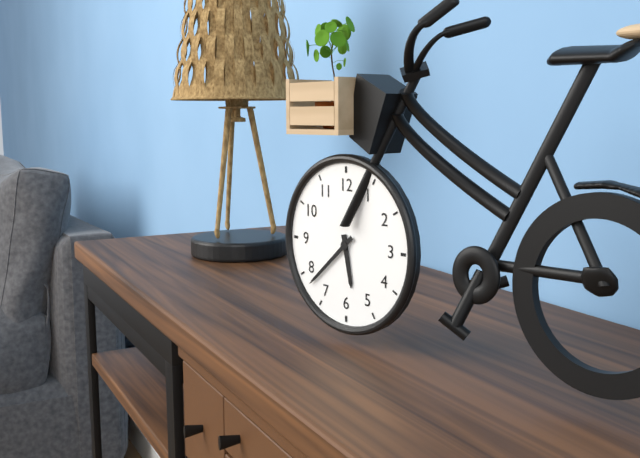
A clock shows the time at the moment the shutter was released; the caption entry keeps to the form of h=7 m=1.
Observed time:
h=5 m=38
